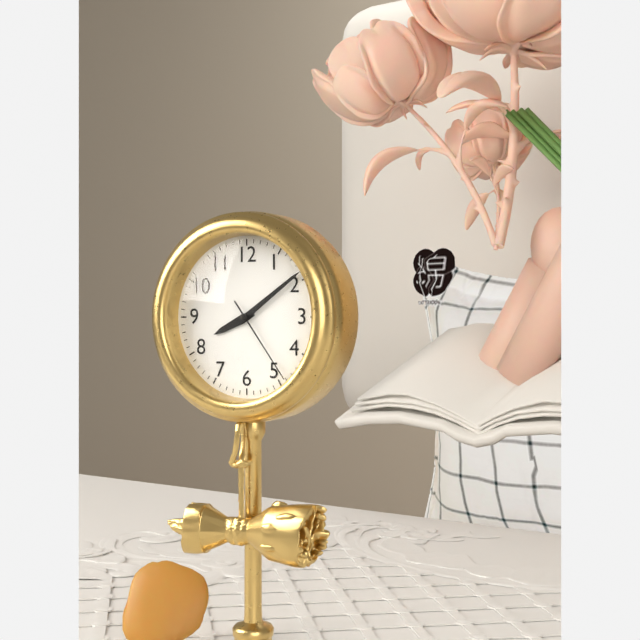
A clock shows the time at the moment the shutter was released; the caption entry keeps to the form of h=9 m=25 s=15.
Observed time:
h=8 m=9 s=24
